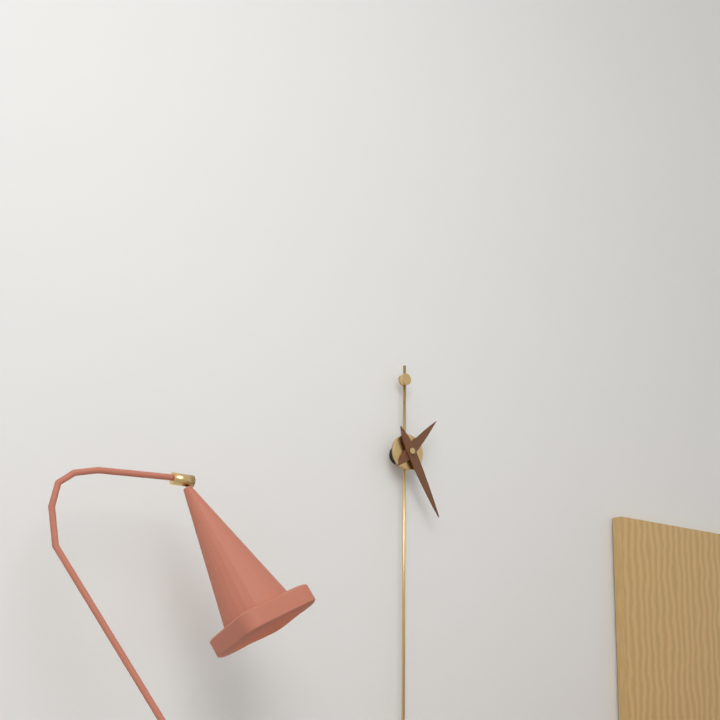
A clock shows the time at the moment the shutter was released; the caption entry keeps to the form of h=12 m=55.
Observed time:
h=1 m=25
